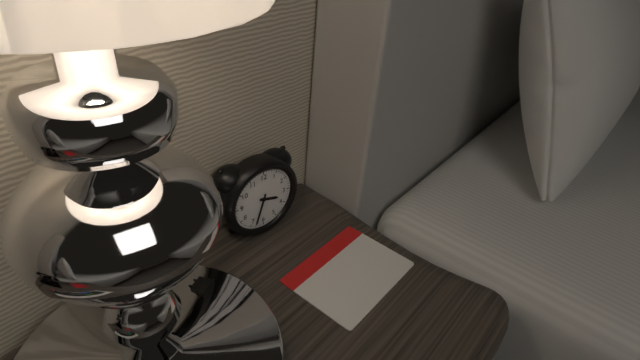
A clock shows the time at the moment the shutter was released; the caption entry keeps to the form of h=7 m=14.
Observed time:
h=3 m=33
